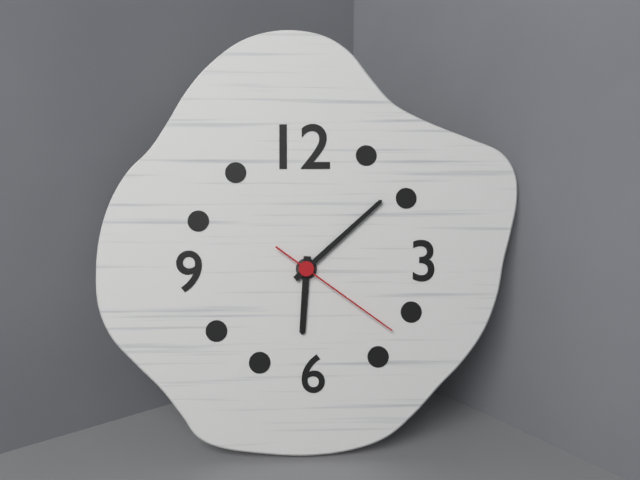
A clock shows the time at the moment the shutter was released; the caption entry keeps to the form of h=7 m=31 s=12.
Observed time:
h=6 m=8 s=21
